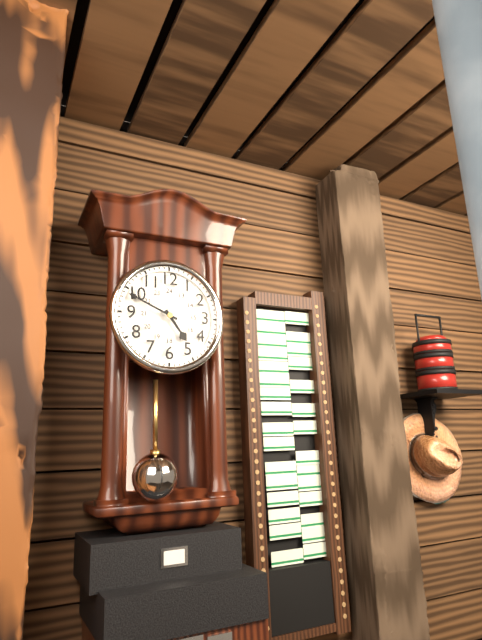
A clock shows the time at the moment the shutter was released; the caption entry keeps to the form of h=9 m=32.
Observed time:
h=4 m=49
